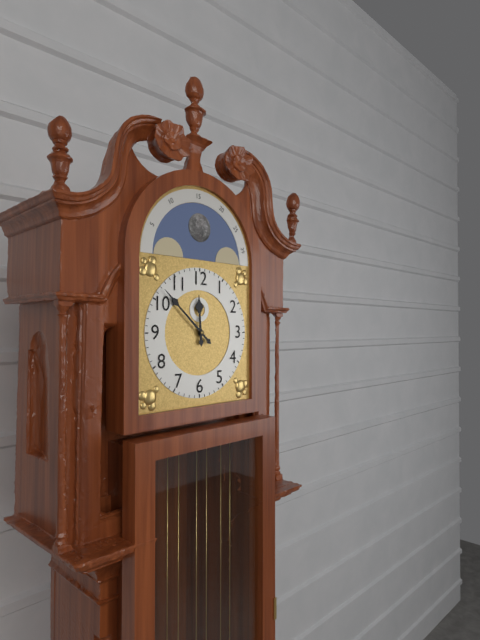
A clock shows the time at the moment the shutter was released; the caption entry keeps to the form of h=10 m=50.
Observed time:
h=11 m=52
